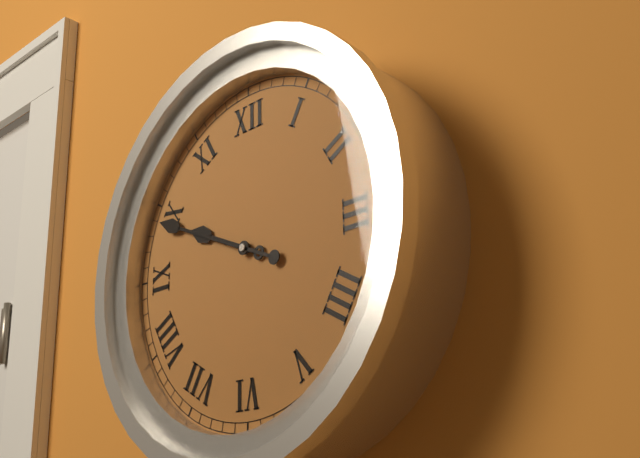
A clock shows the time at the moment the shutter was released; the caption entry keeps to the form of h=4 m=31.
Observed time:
h=9 m=49
